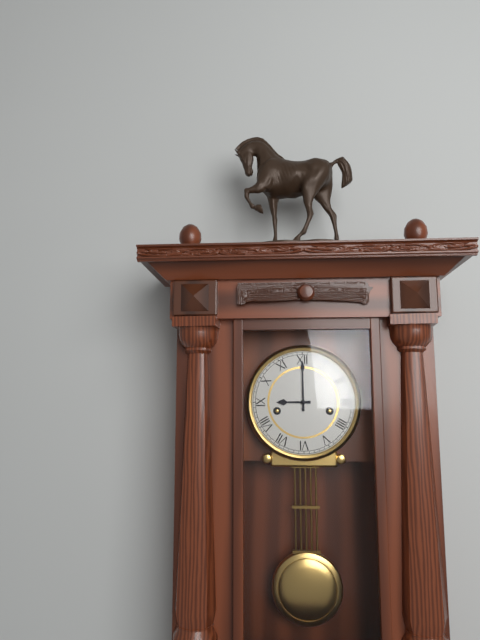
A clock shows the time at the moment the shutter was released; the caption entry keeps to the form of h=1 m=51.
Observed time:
h=9 m=0
